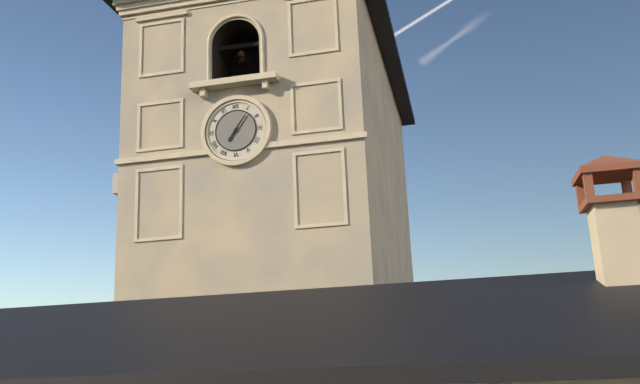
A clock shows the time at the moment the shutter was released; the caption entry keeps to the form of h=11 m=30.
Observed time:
h=7 m=6
